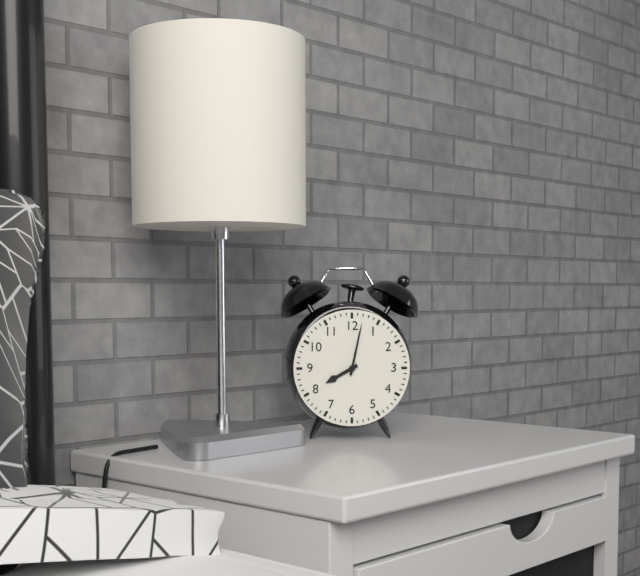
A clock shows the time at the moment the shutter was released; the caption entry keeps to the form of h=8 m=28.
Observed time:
h=8 m=2
